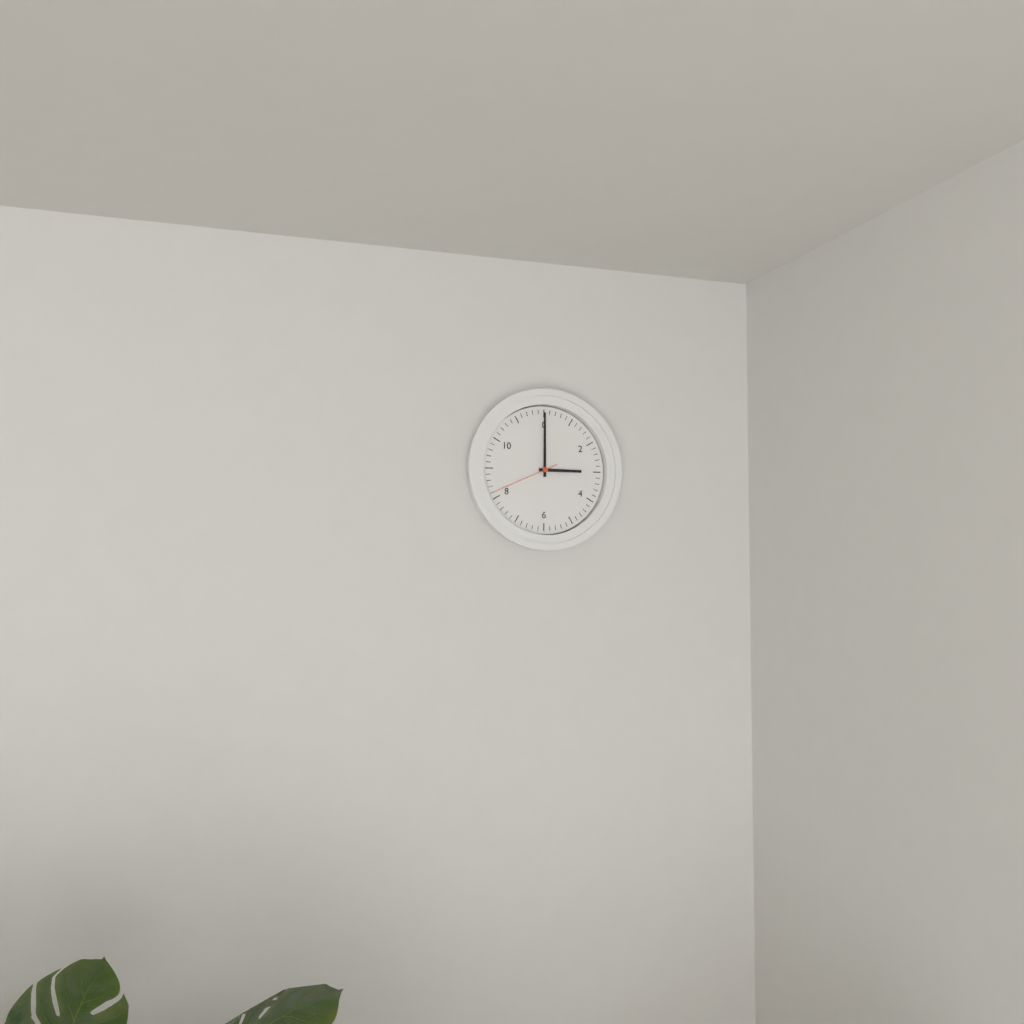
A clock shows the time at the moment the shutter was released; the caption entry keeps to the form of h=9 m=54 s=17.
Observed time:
h=3 m=0 s=41
